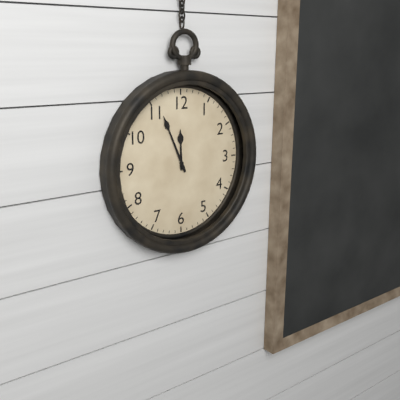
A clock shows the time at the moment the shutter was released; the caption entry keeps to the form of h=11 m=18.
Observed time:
h=11 m=56
